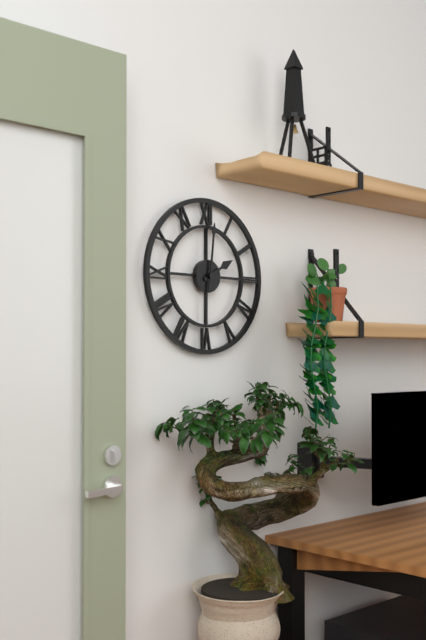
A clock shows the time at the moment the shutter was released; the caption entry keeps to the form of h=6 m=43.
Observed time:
h=2 m=1
